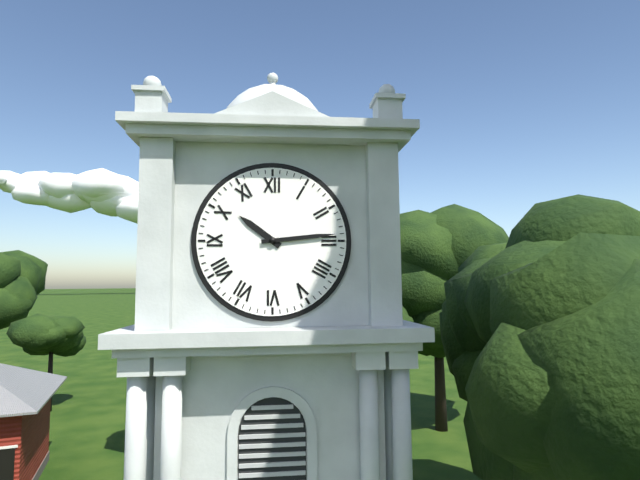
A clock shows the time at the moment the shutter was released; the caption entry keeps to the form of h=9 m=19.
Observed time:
h=10 m=14
